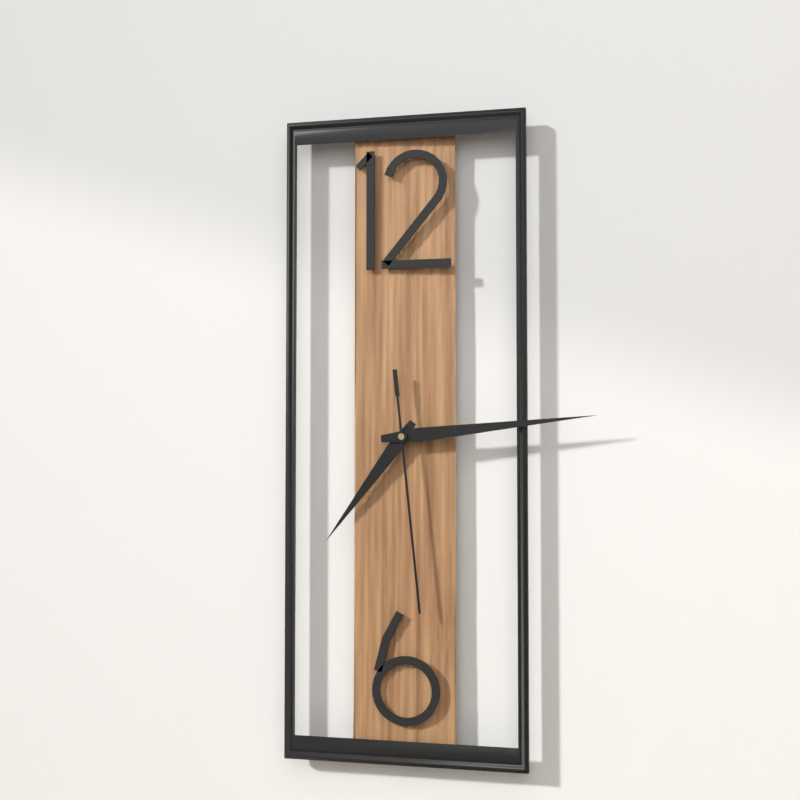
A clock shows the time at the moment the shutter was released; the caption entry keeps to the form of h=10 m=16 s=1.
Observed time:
h=7 m=14 s=29
